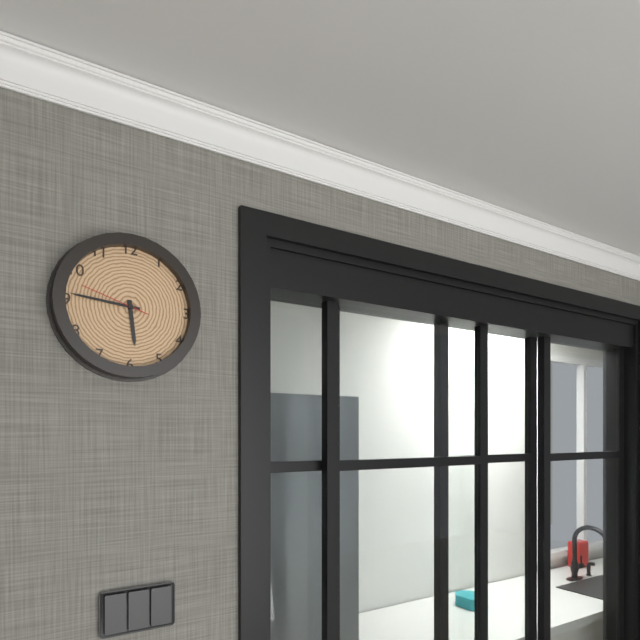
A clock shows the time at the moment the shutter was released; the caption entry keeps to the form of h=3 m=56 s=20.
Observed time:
h=5 m=46 s=48
